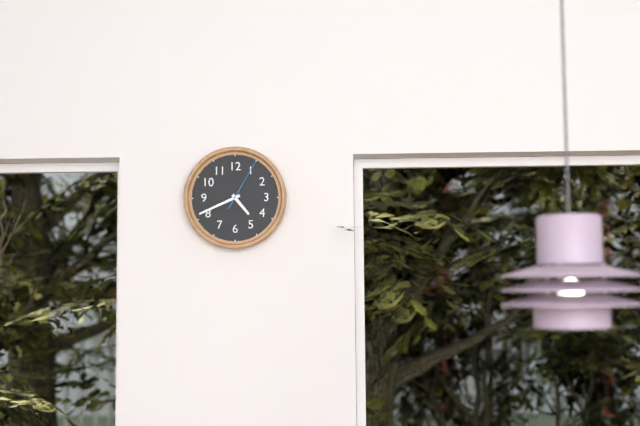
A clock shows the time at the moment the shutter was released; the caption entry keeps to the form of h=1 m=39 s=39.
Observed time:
h=4 m=41 s=5
